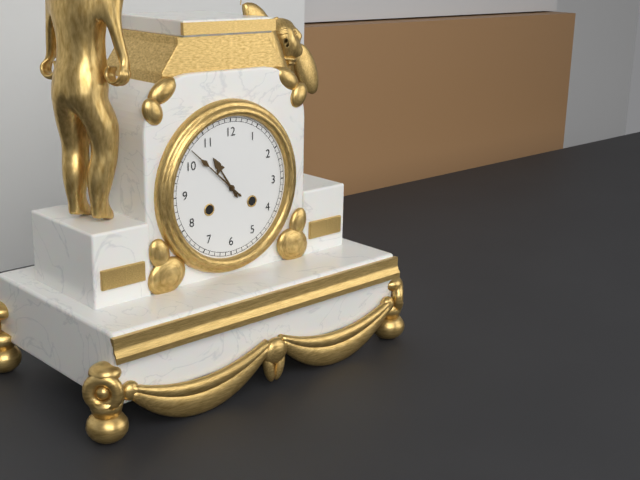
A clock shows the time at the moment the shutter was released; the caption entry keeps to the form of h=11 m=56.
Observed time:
h=10 m=52
